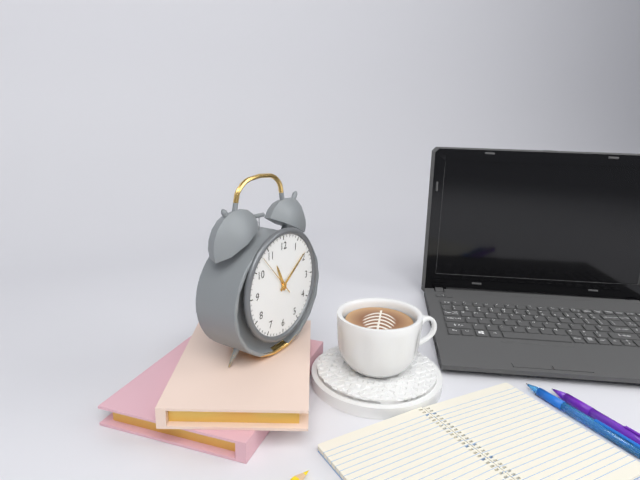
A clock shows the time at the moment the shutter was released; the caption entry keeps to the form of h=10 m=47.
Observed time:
h=11 m=9
